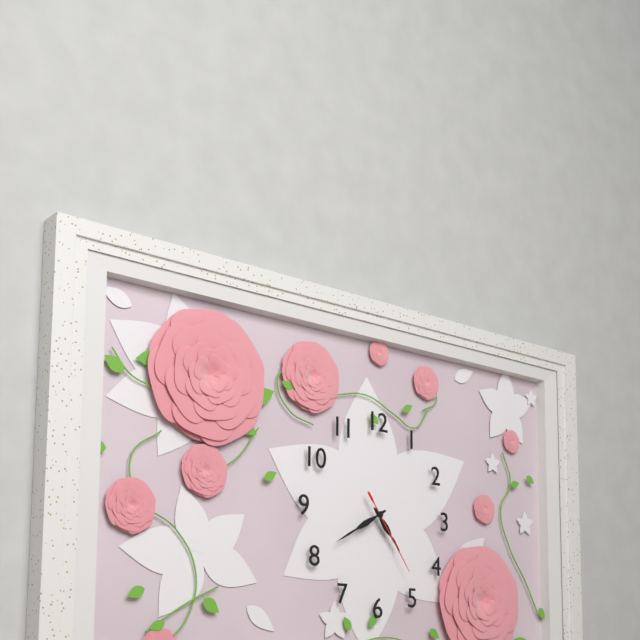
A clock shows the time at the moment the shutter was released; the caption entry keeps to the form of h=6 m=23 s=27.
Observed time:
h=4 m=40 s=24
